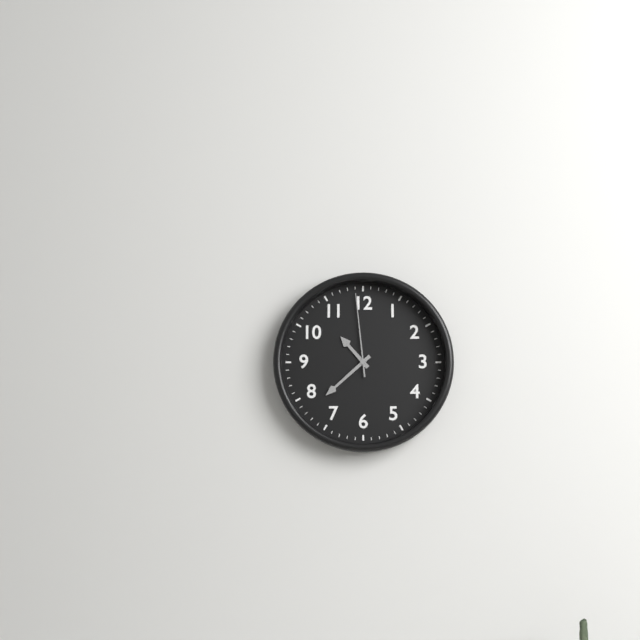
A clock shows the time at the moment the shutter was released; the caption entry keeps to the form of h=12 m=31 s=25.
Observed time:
h=10 m=38 s=59
